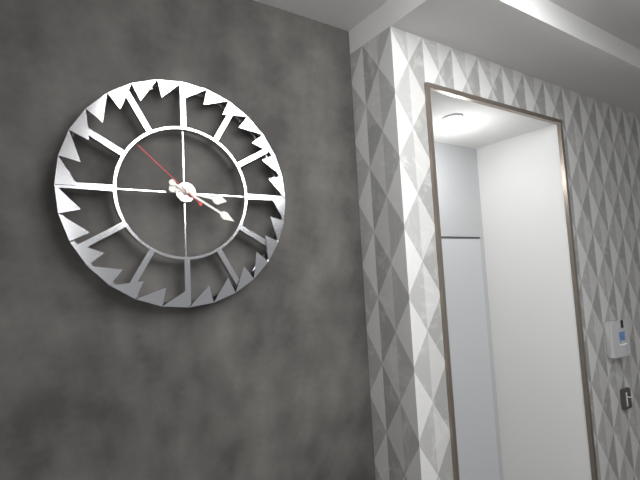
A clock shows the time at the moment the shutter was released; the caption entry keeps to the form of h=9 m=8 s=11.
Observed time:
h=3 m=20 s=52
